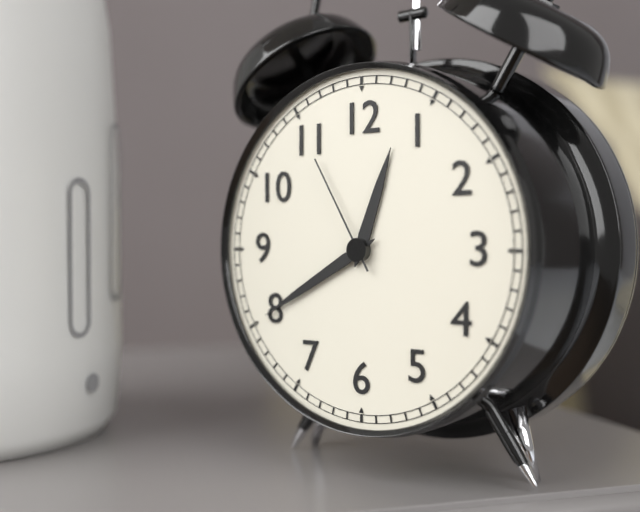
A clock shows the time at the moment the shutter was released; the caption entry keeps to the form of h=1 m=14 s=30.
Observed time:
h=12 m=40 s=55
